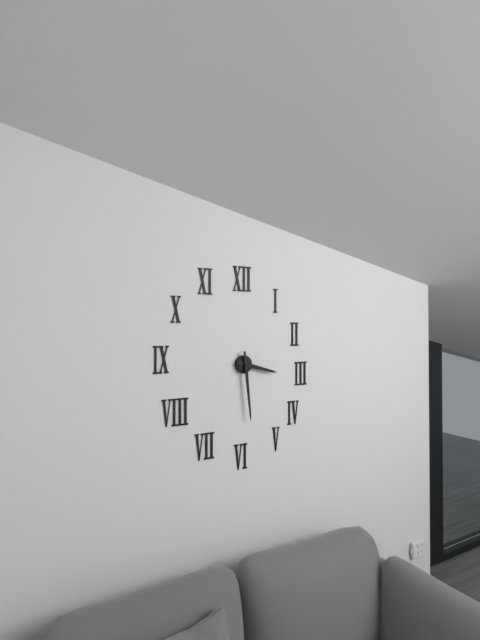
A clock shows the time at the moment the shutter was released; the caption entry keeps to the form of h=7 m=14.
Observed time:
h=3 m=29
